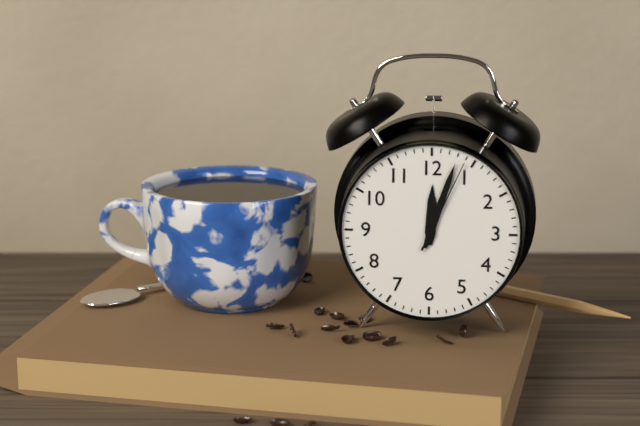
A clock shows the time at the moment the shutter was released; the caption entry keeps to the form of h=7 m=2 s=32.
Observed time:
h=12 m=3 s=4
